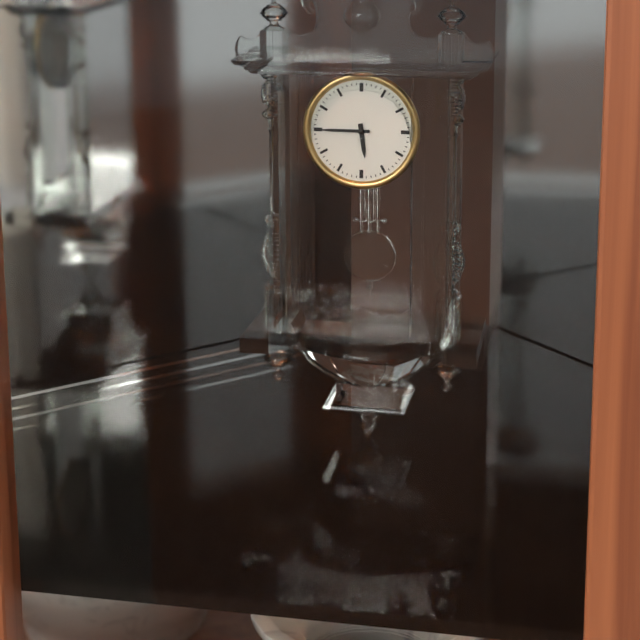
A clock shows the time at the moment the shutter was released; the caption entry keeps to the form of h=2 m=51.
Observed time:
h=5 m=45
